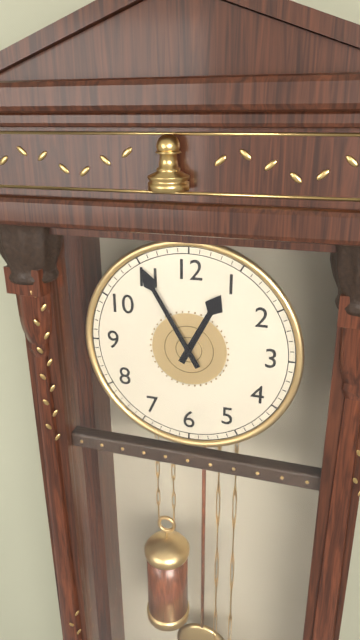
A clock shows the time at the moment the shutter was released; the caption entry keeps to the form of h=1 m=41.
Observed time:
h=12 m=55
